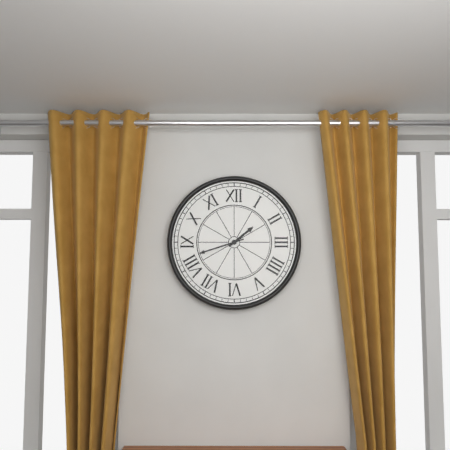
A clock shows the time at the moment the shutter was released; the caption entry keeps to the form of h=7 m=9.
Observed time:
h=1 m=42
